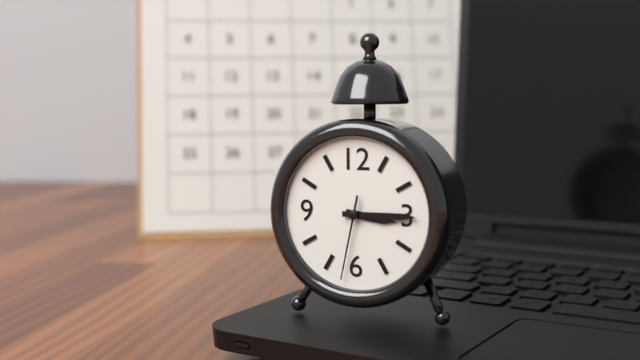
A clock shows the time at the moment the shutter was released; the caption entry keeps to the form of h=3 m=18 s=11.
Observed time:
h=3 m=15 s=32
